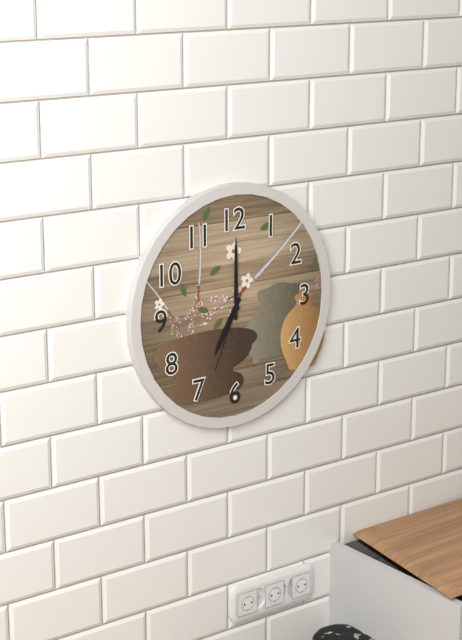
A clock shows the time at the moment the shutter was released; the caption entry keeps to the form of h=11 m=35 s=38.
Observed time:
h=7 m=0 s=34
